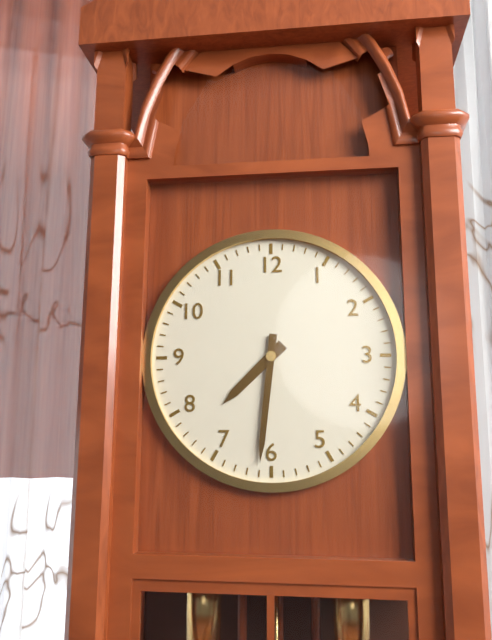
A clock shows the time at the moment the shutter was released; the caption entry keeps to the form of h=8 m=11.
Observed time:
h=7 m=31
